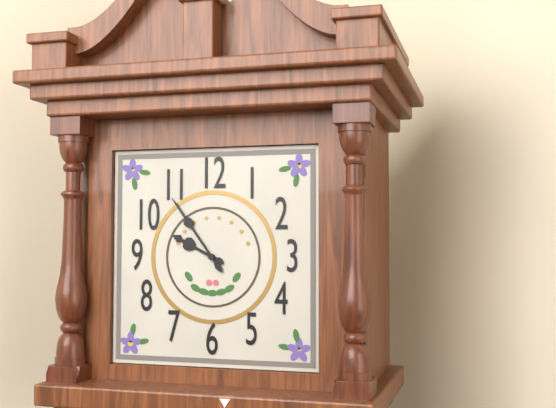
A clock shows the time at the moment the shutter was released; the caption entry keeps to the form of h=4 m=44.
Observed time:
h=9 m=54
